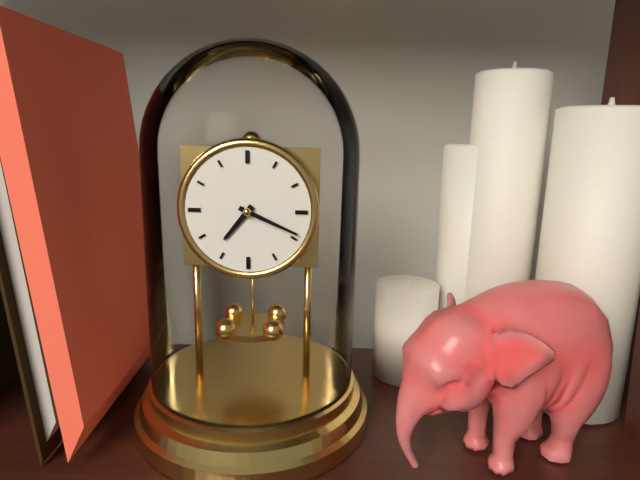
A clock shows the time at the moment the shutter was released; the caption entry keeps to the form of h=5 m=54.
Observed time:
h=7 m=19
